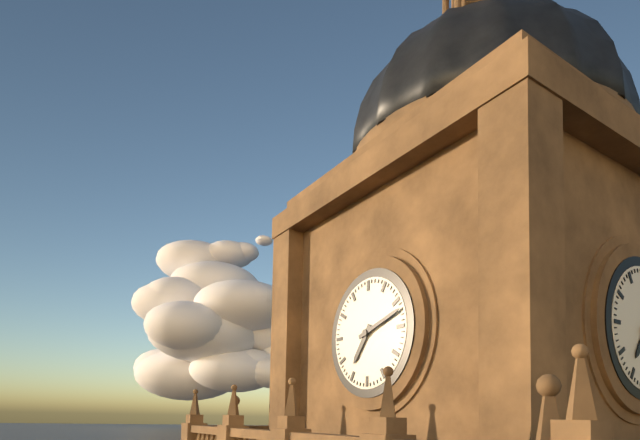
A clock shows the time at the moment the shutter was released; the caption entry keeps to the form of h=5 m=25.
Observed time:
h=7 m=12
